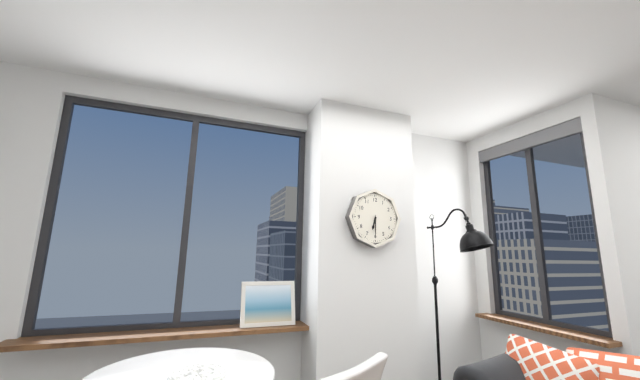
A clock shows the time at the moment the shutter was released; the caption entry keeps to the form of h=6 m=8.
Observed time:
h=6 m=30
